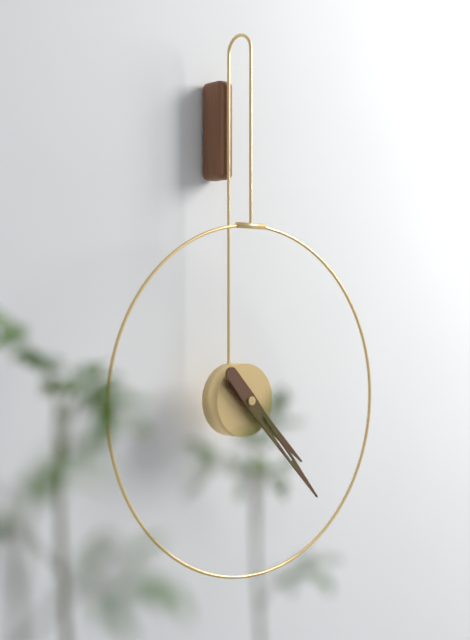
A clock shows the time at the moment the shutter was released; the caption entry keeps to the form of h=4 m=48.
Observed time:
h=4 m=23
